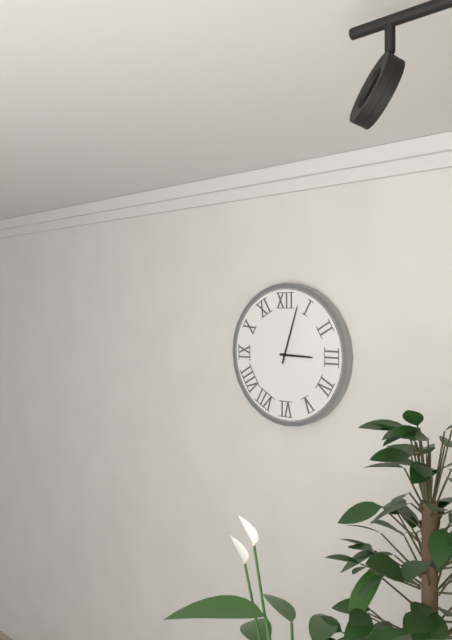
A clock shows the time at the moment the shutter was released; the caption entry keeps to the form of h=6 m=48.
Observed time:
h=3 m=3
